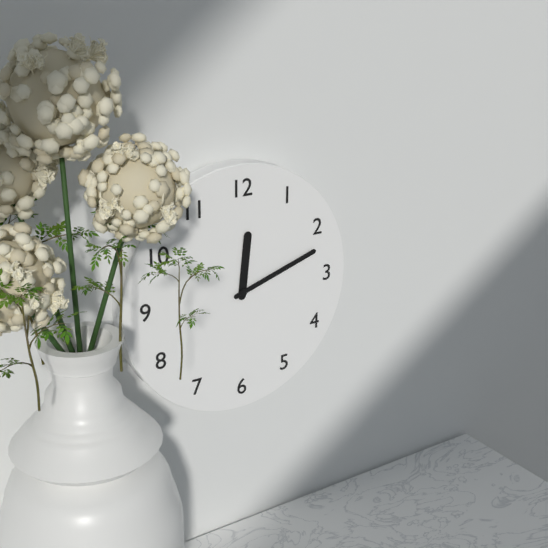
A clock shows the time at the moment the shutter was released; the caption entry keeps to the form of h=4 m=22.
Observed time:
h=12 m=12
